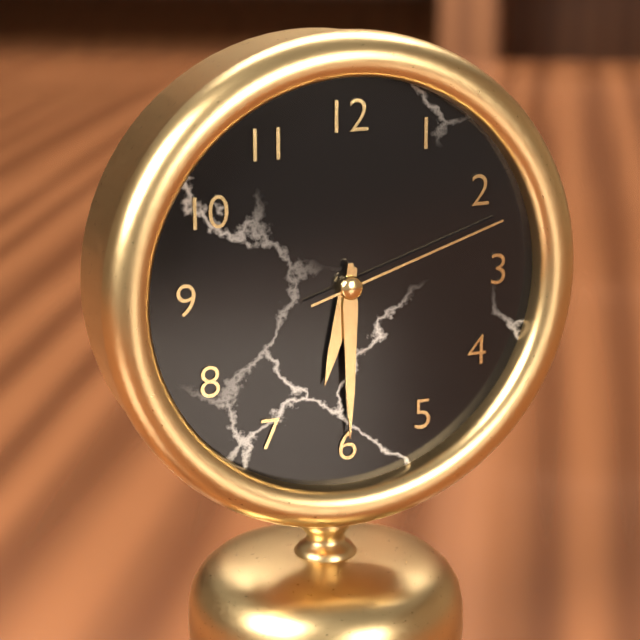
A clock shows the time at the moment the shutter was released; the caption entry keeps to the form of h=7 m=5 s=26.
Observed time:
h=6 m=30 s=12
